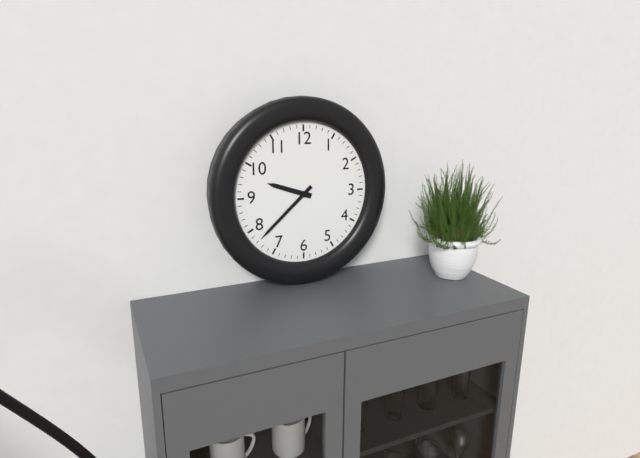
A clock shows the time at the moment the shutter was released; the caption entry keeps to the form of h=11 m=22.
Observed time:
h=9 m=38
